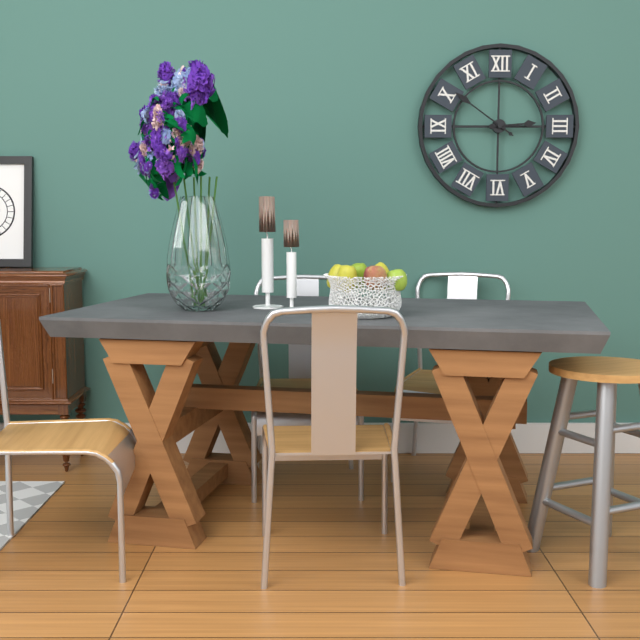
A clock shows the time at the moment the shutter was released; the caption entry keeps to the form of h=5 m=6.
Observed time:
h=2 m=51
